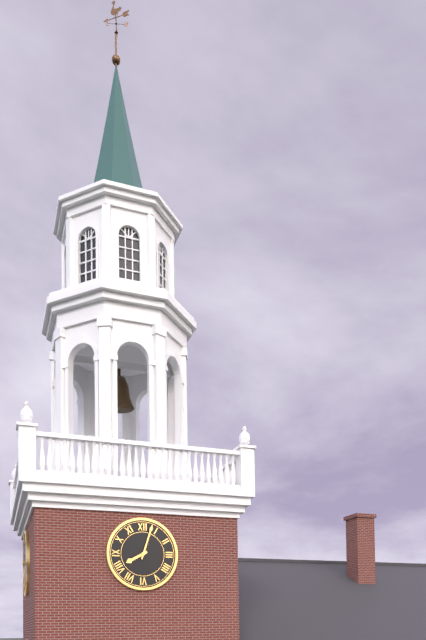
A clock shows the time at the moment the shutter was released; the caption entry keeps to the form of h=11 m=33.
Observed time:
h=8 m=3
